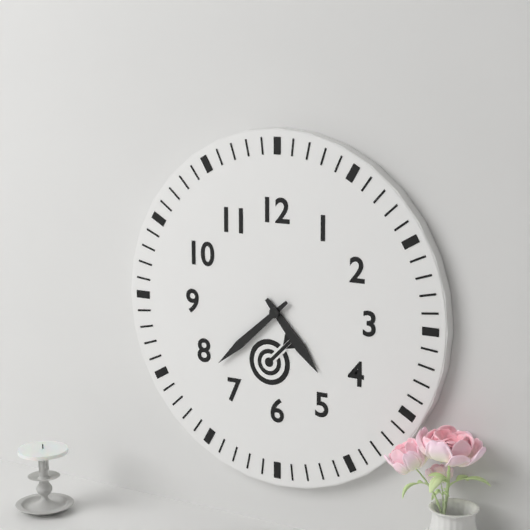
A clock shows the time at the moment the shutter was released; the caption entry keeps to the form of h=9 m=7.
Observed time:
h=4 m=38
